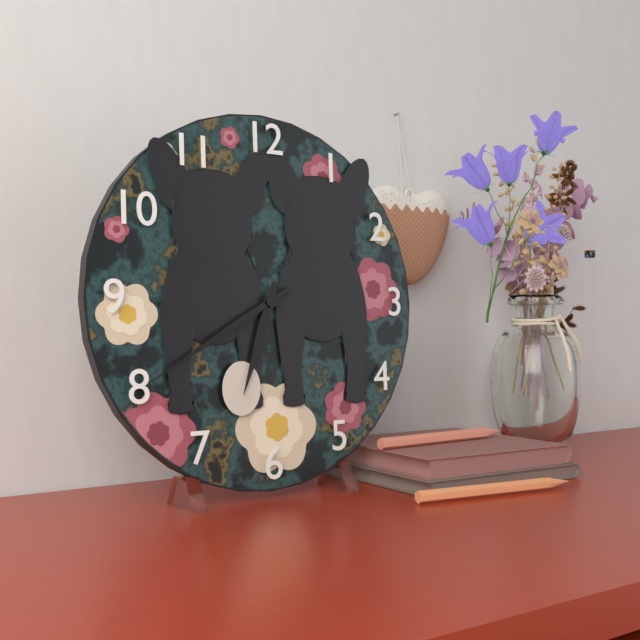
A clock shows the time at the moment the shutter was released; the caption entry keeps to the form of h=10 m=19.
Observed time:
h=6 m=40
